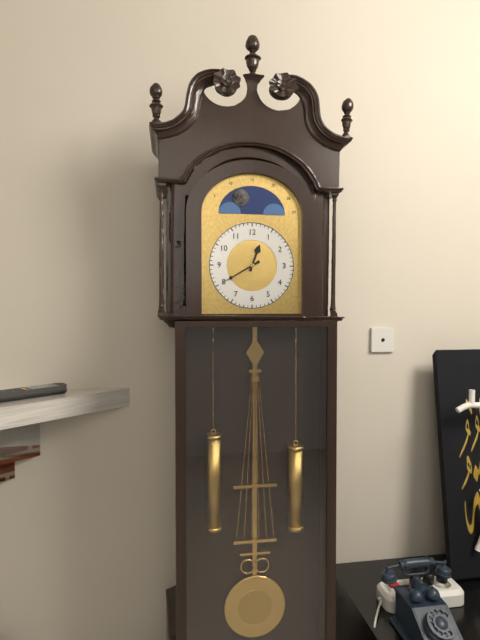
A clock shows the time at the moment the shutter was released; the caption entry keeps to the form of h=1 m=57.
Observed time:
h=12 m=40
